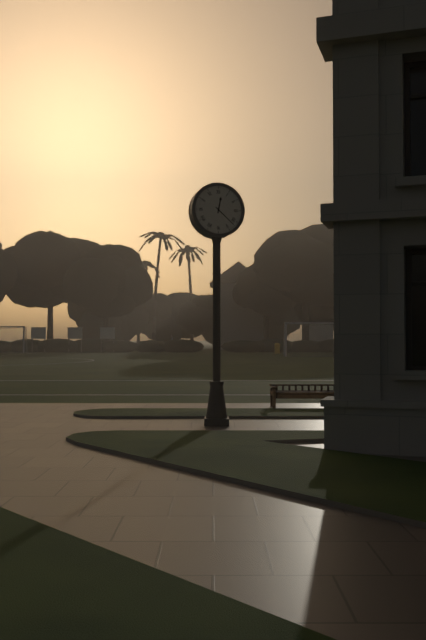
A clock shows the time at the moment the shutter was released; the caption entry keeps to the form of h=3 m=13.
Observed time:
h=12 m=22
